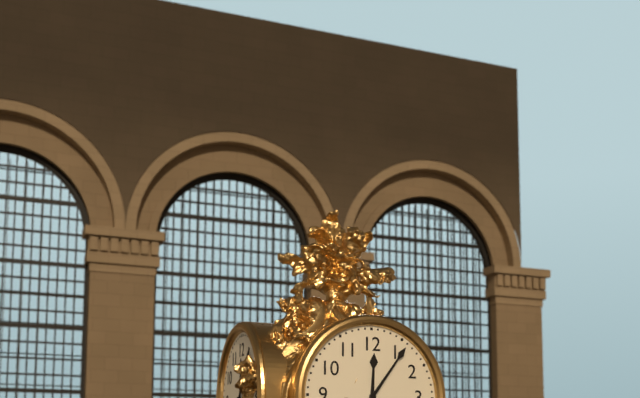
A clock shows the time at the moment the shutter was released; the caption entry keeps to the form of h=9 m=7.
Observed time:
h=12 m=6
